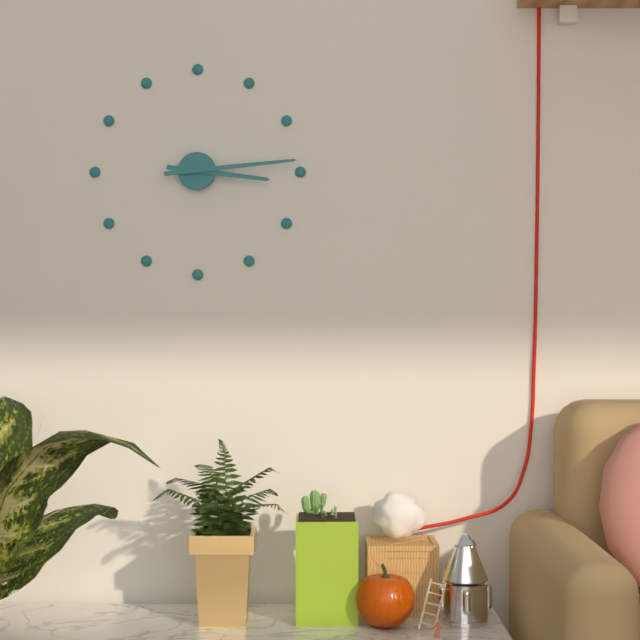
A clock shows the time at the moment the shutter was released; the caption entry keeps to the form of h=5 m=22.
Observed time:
h=3 m=14
